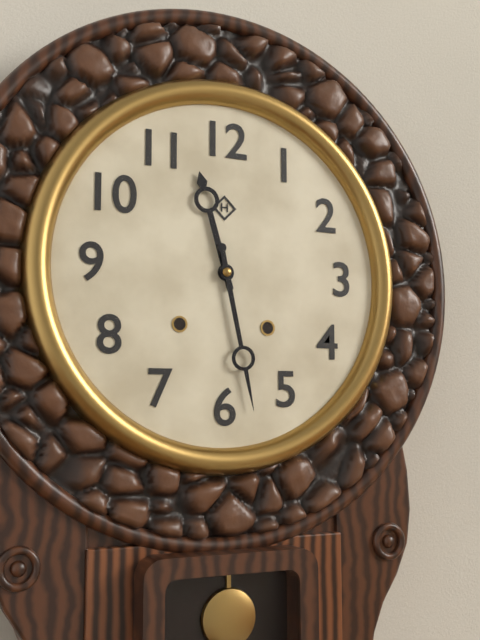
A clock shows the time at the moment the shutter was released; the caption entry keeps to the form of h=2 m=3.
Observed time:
h=11 m=28
